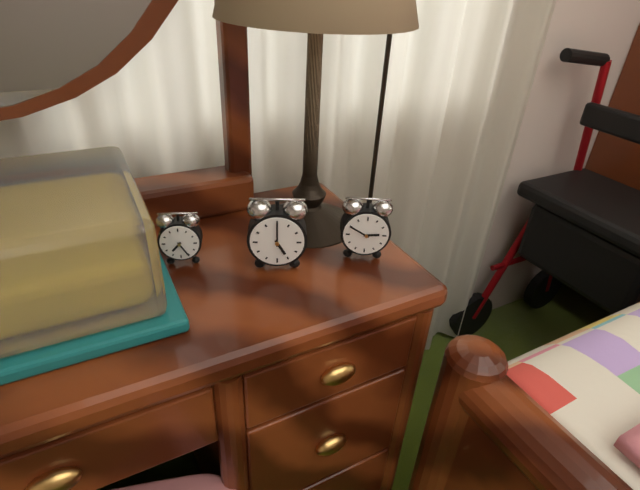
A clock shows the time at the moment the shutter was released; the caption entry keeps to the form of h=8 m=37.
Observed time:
h=5 m=0
